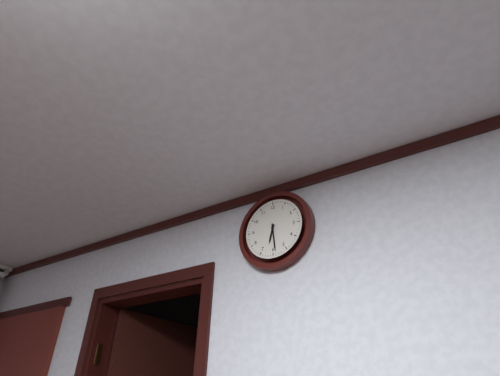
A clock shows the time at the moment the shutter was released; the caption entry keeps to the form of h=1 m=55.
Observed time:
h=6 m=29
